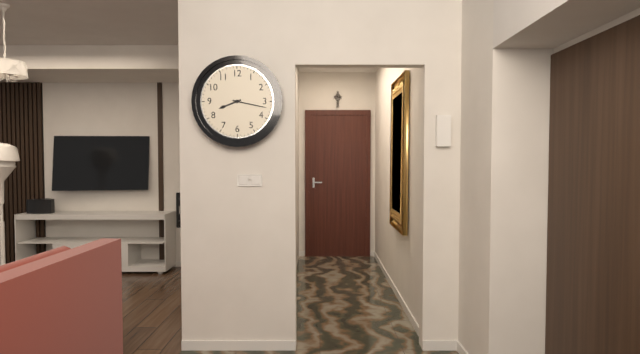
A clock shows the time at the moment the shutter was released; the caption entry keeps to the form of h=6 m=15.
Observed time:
h=8 m=17
